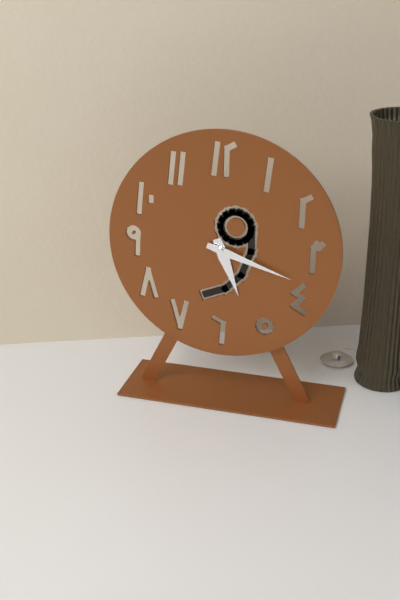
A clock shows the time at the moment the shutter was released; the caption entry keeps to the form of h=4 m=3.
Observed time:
h=5 m=18
